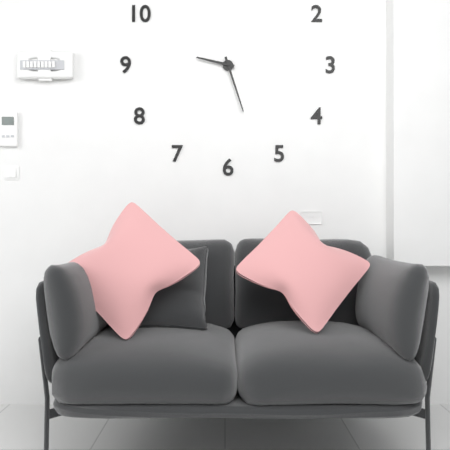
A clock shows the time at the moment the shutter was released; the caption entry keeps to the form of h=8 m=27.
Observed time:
h=9 m=27
